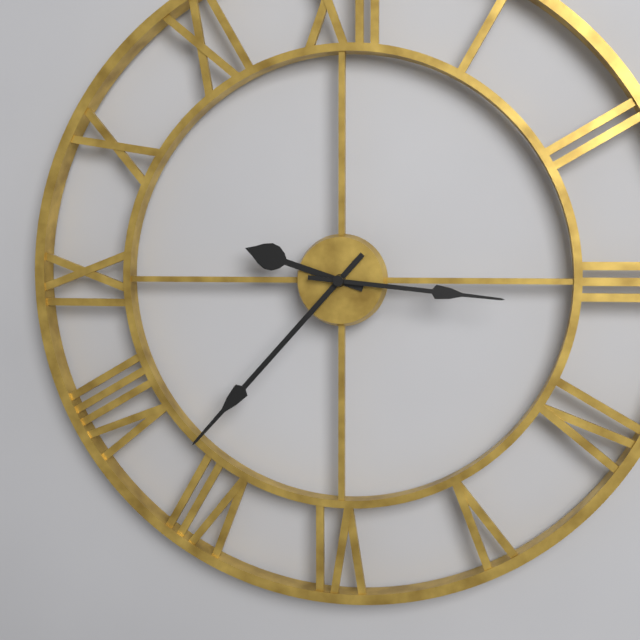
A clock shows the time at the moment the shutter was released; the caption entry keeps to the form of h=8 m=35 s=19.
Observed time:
h=9 m=37 s=16
